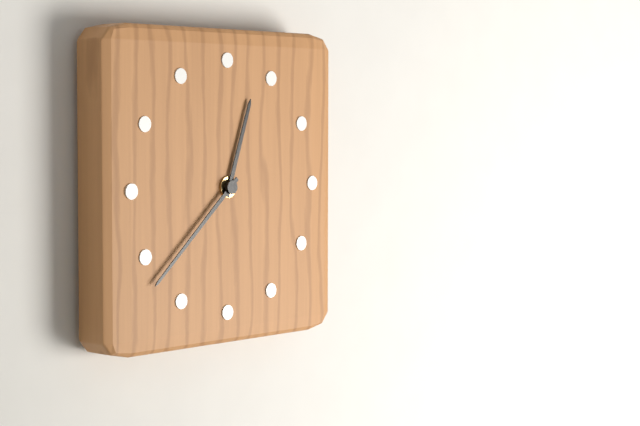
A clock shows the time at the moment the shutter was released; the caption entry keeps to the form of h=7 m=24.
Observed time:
h=12 m=38
